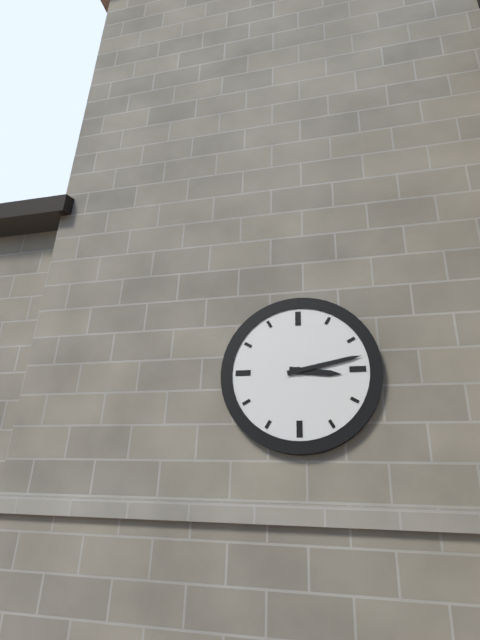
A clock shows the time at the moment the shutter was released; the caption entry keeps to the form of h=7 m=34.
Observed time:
h=3 m=13
